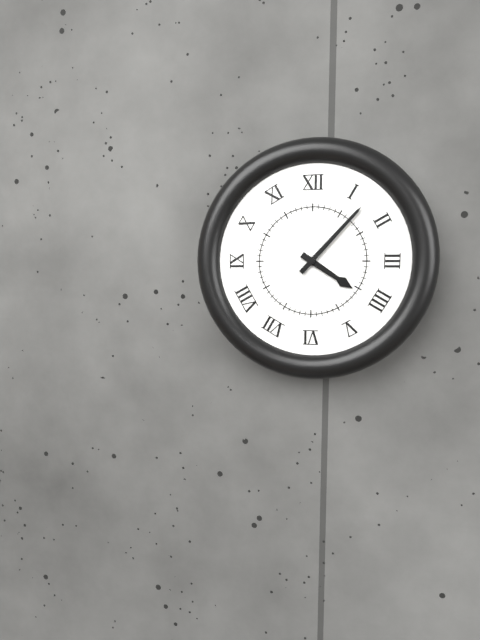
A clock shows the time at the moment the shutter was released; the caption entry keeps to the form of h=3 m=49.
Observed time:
h=4 m=7
